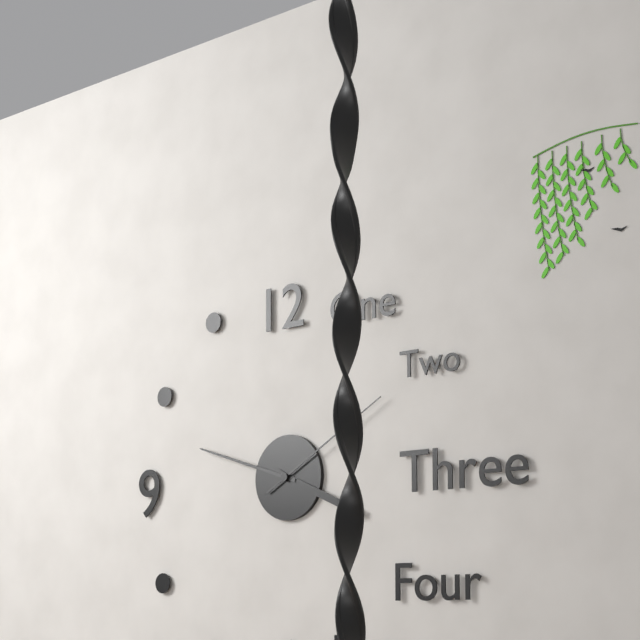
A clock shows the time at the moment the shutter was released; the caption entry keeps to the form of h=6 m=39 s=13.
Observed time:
h=3 m=48 s=10
